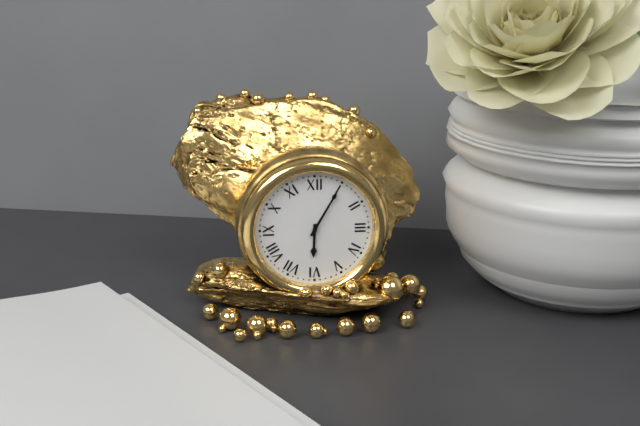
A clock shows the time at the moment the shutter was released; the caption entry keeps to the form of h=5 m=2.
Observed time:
h=6 m=5
